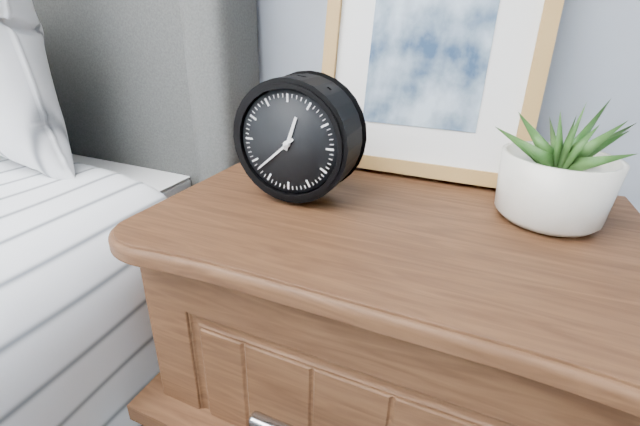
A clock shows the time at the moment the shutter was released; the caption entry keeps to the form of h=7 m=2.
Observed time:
h=12 m=38
